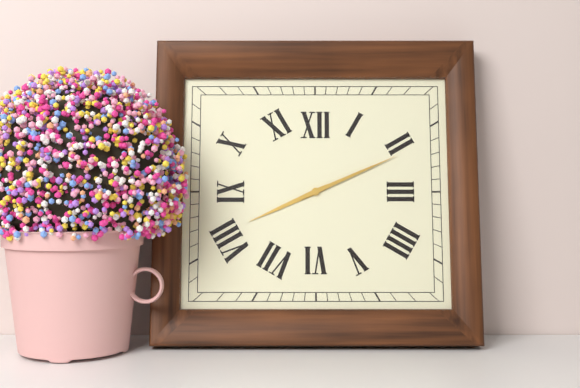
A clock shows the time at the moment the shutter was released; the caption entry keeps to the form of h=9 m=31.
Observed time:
h=8 m=11
